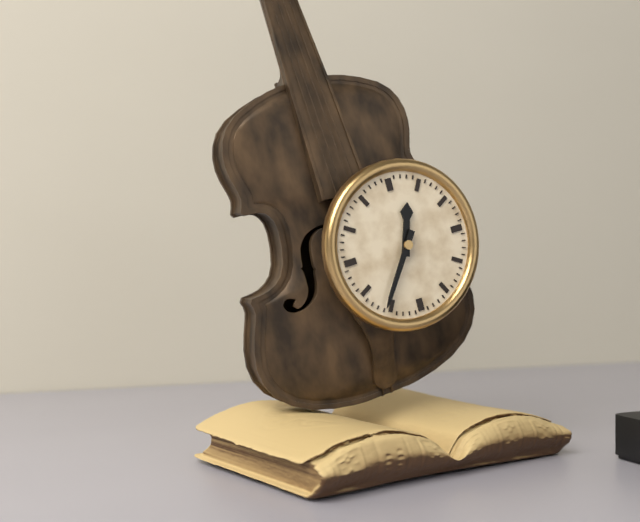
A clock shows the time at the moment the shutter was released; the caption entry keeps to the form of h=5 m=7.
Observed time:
h=12 m=36
